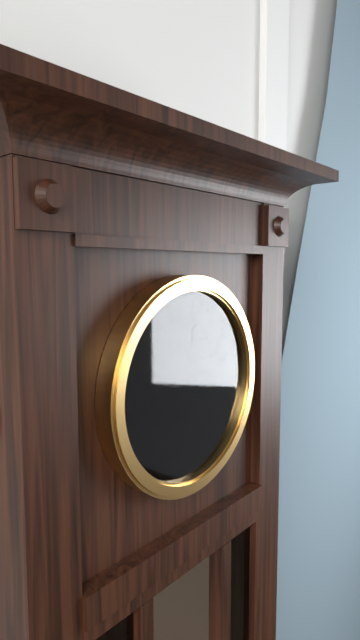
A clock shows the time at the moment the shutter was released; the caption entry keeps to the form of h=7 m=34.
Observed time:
h=1 m=43
